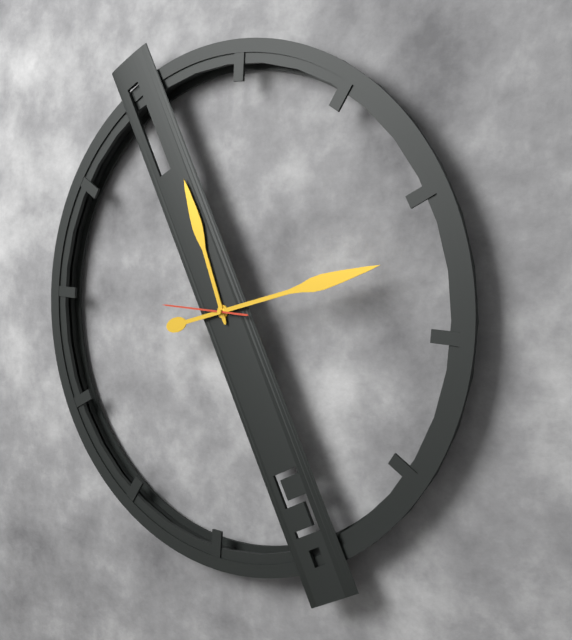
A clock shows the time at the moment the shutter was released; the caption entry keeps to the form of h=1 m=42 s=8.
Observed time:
h=11 m=12 s=45
